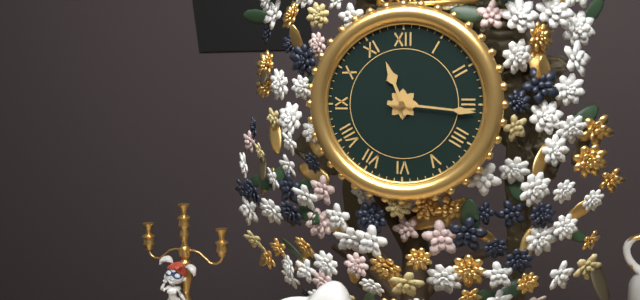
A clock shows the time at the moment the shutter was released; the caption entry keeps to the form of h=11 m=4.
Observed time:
h=11 m=16
